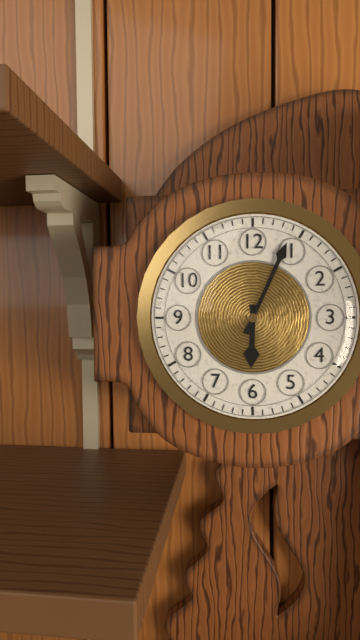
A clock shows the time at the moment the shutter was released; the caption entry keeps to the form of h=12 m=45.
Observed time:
h=6 m=4
